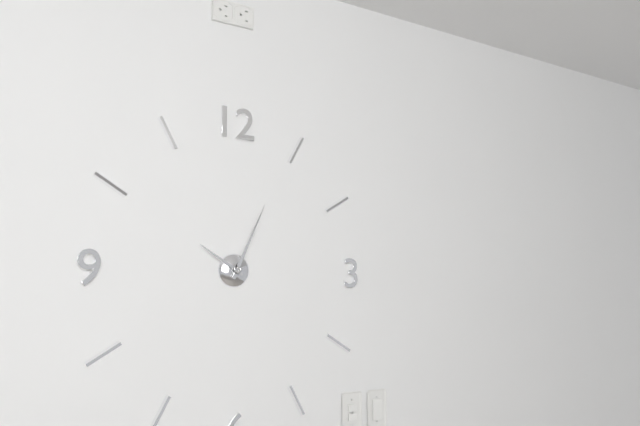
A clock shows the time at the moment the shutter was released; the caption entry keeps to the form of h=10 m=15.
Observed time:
h=10 m=4
